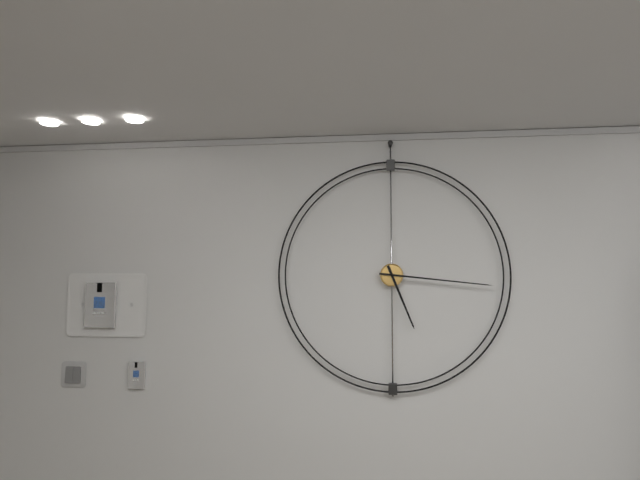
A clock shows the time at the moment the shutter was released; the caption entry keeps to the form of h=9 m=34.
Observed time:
h=5 m=16
